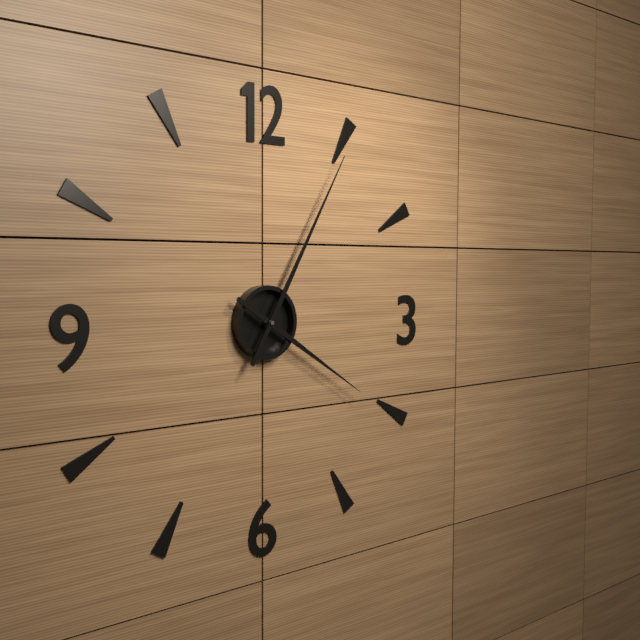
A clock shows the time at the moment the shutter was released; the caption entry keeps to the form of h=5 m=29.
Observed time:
h=4 m=5
